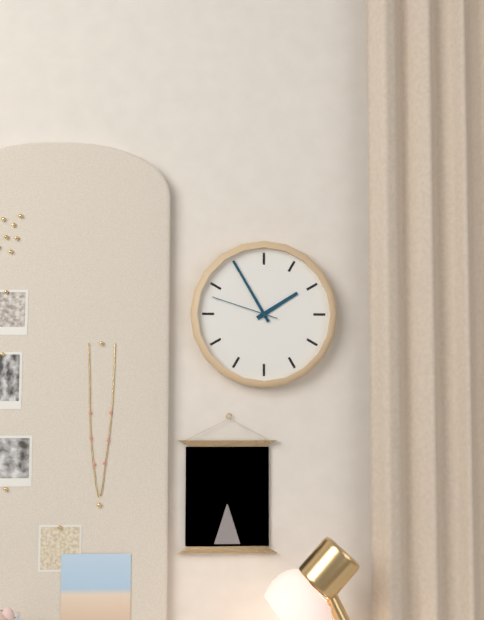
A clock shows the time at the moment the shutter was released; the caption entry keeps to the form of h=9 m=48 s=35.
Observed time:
h=1 m=55 s=48
